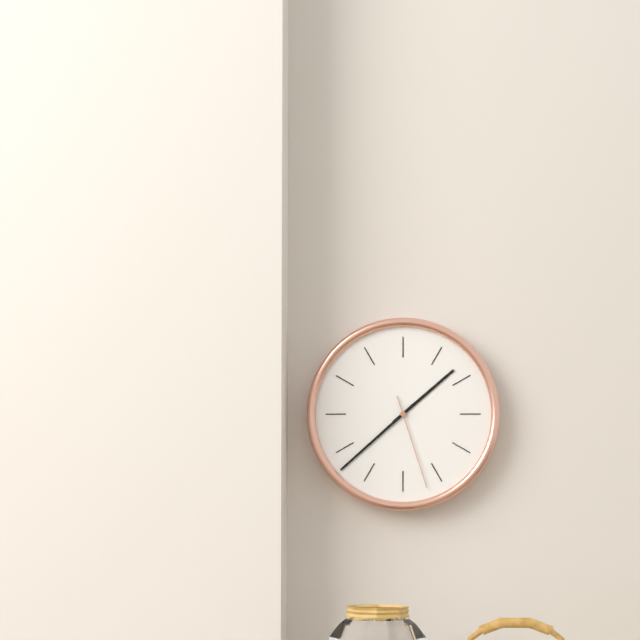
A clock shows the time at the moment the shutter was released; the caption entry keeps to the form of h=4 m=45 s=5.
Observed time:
h=1 m=38 s=27
